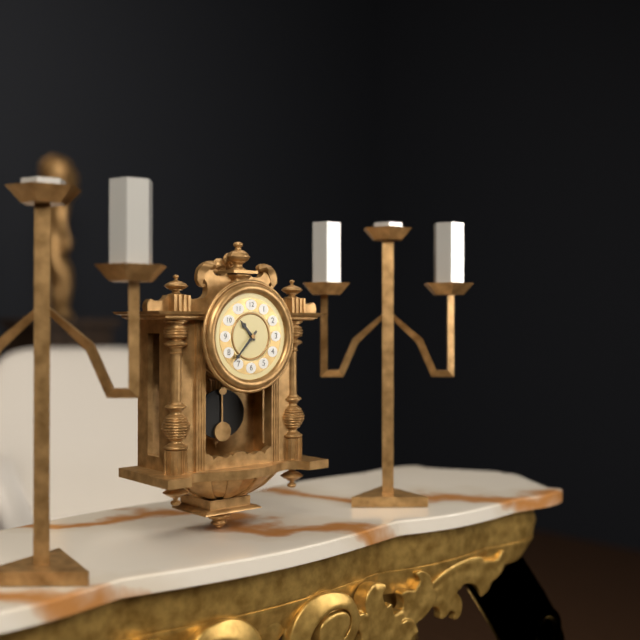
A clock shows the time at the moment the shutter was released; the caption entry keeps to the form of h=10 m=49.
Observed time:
h=10 m=37
